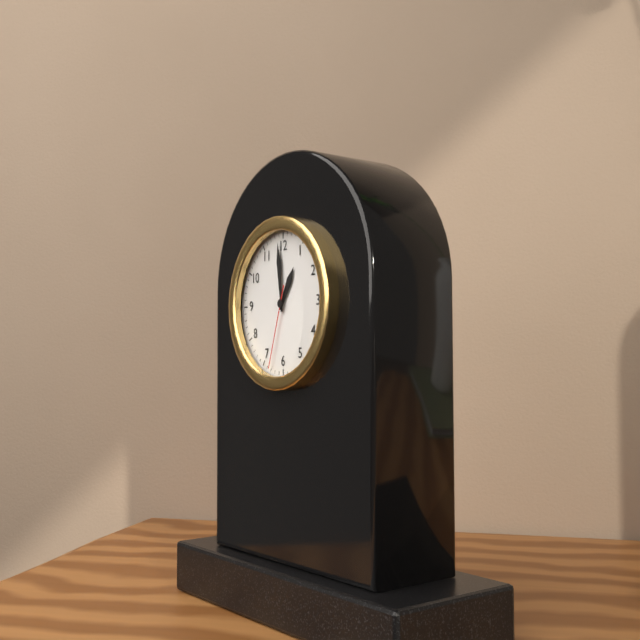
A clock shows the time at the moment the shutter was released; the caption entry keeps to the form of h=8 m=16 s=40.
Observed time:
h=12 m=59 s=33
